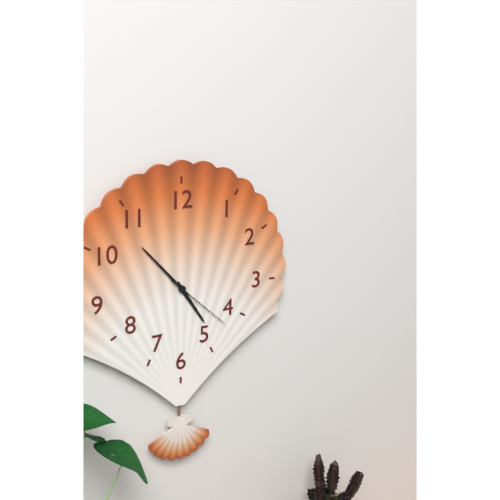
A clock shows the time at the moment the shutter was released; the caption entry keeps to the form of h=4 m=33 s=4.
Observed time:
h=4 m=53 s=22
